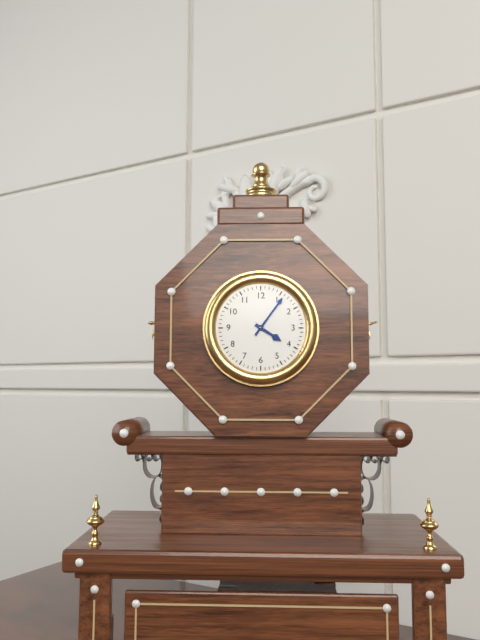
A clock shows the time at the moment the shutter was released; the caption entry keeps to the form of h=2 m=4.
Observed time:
h=4 m=6
